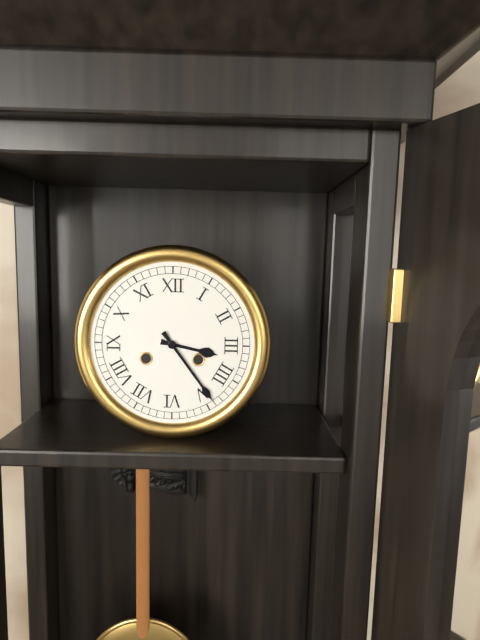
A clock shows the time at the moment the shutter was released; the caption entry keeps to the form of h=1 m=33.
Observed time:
h=3 m=24
